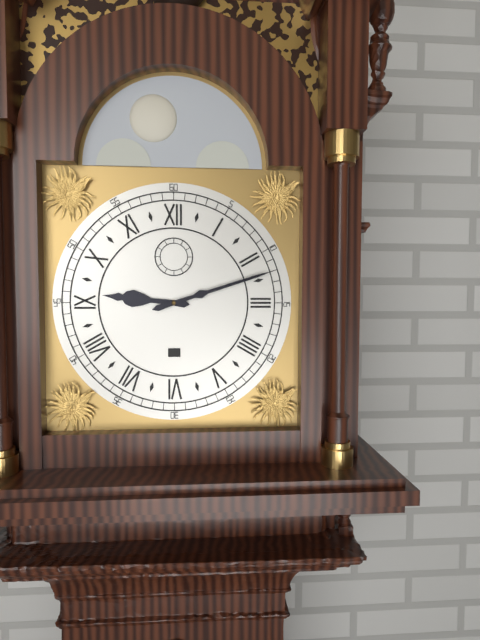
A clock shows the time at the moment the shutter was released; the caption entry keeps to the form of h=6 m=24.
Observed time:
h=9 m=12
